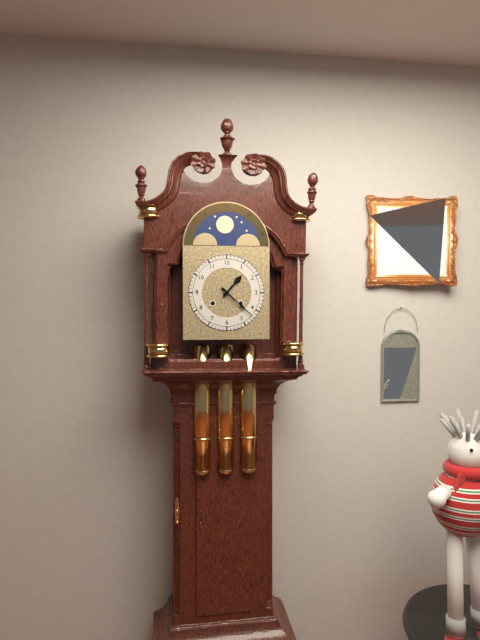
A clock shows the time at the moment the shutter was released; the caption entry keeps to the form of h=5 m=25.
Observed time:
h=1 m=22
